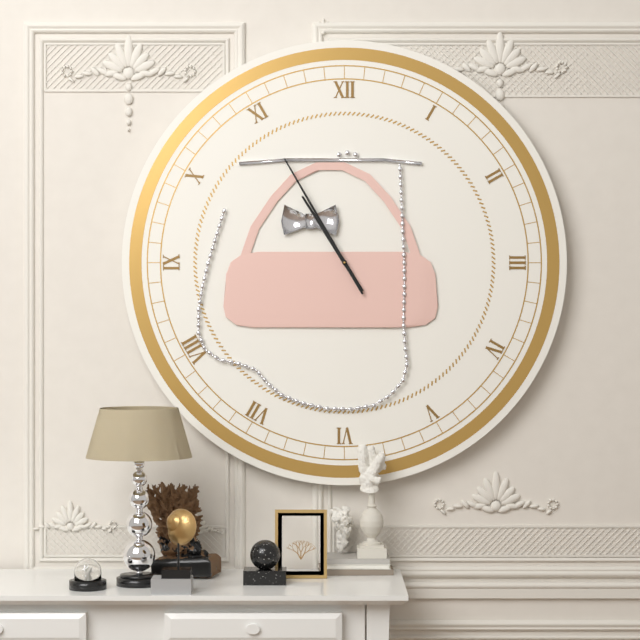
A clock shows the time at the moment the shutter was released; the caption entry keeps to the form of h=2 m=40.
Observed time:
h=10 m=55
